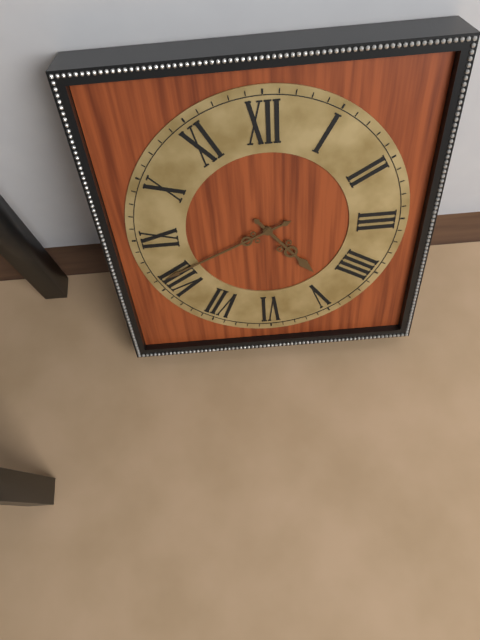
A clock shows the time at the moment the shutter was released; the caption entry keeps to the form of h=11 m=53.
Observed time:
h=4 m=41
